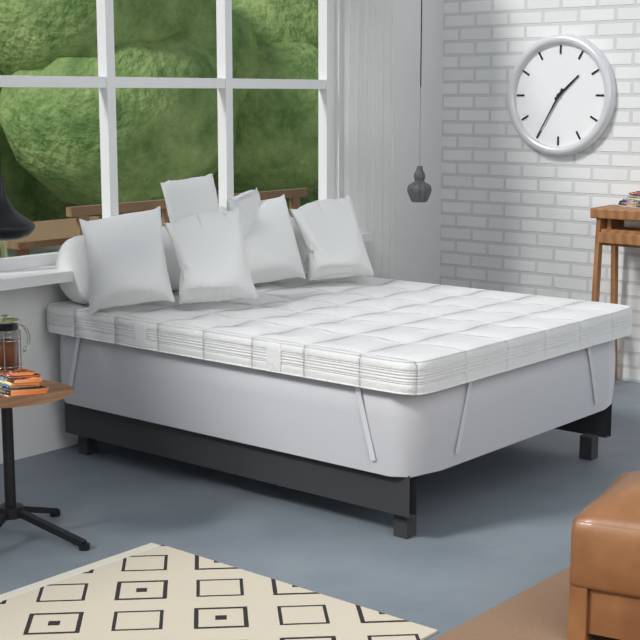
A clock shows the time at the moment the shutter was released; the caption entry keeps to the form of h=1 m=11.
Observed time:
h=1 m=35
